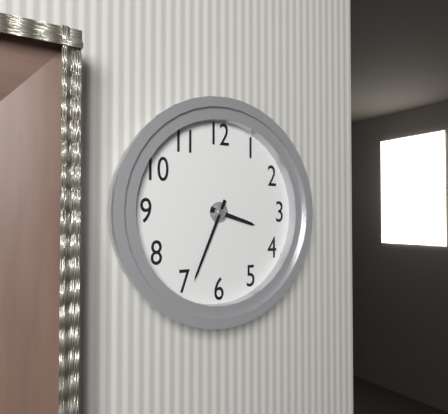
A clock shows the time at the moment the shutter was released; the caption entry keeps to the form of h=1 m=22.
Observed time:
h=3 m=34
